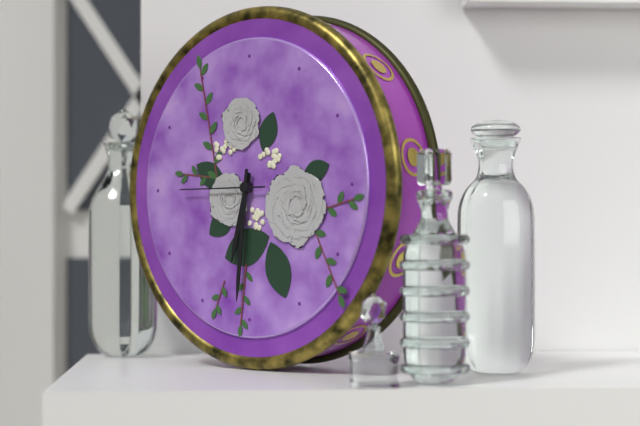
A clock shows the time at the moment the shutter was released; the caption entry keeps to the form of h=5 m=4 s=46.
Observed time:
h=6 m=31 s=45
